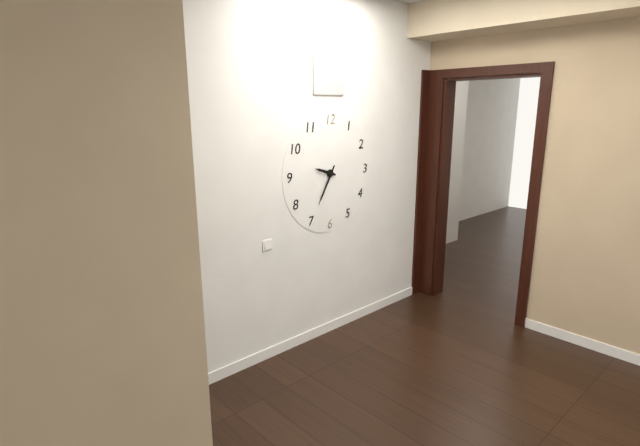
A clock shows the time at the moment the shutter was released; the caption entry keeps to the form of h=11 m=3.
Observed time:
h=9 m=35
